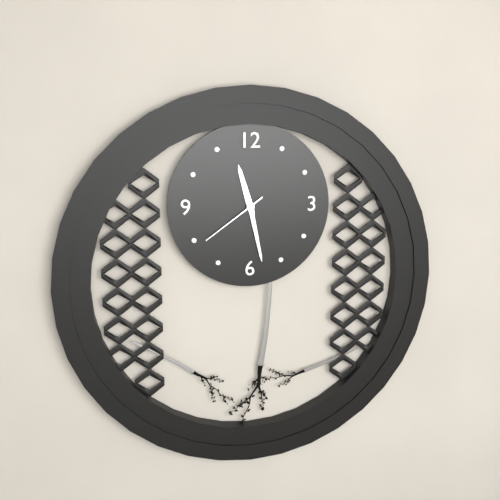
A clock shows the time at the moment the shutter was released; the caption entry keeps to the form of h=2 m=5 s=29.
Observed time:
h=11 m=28 s=39
